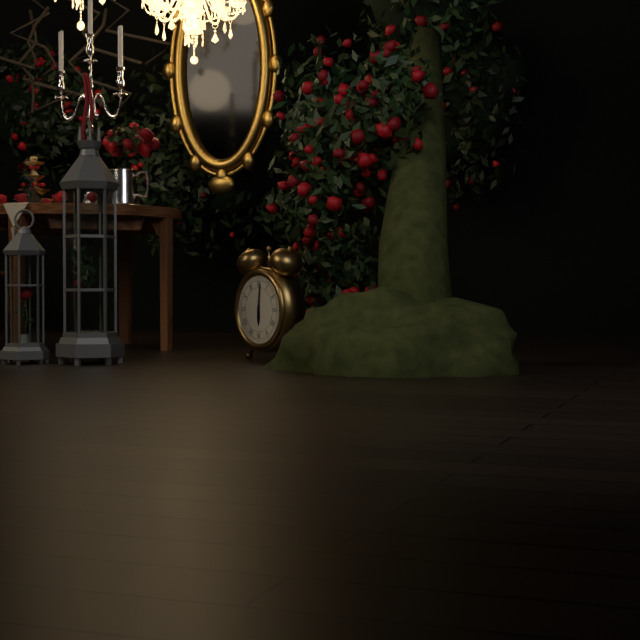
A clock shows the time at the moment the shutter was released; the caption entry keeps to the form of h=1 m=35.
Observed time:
h=6 m=1
